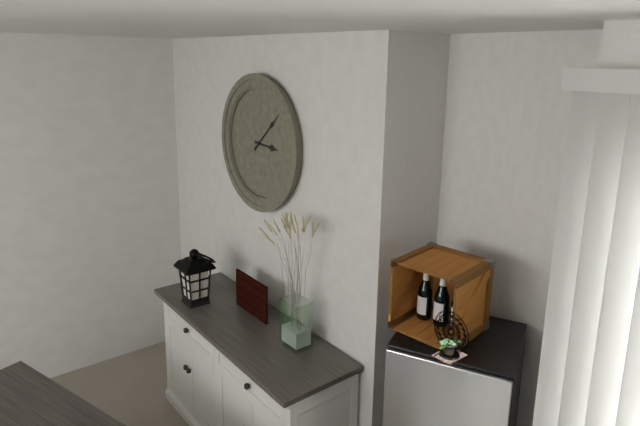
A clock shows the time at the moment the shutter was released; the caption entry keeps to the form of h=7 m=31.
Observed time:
h=3 m=8
